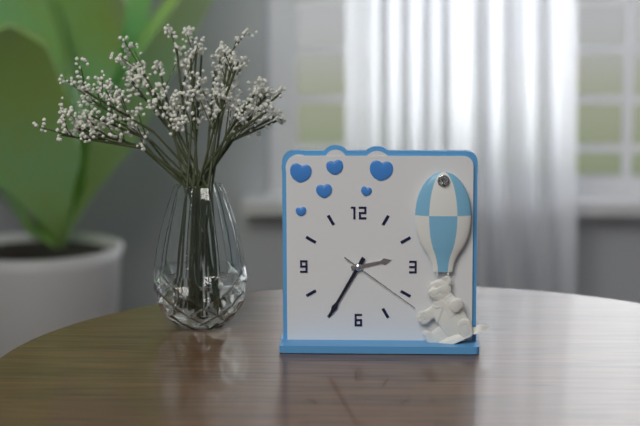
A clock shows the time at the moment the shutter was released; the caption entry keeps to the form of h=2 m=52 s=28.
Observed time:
h=2 m=35 s=21
